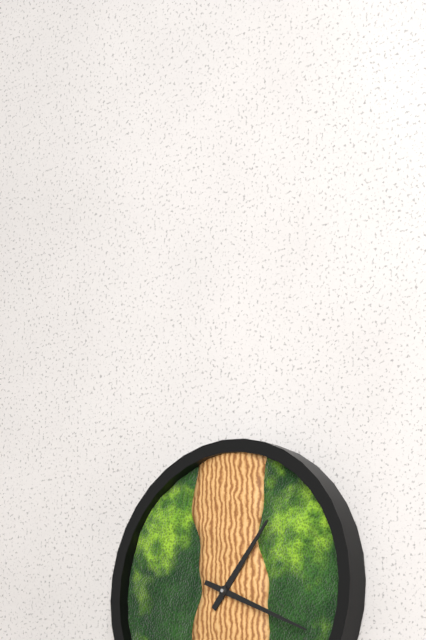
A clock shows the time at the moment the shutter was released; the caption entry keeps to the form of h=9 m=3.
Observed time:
h=1 m=19
